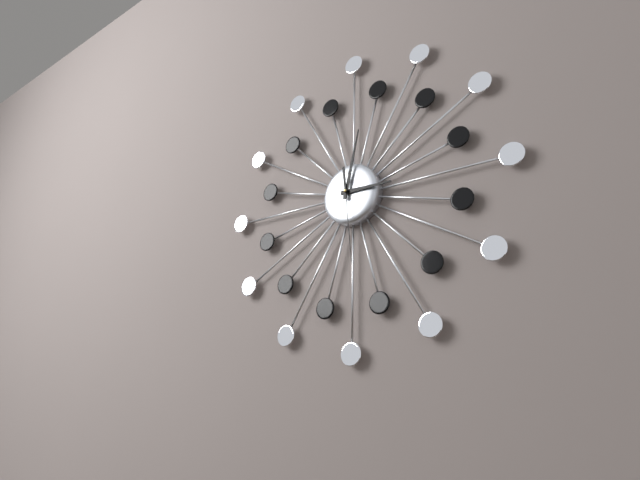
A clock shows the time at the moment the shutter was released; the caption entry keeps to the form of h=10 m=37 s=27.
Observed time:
h=3 m=2 s=29
